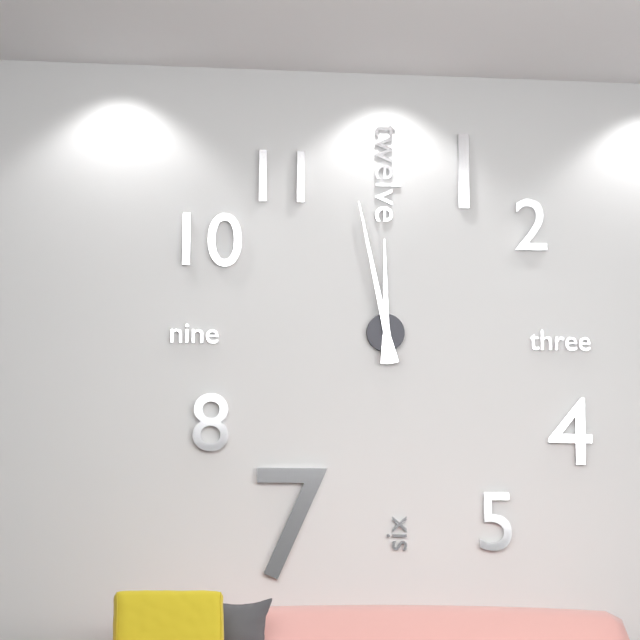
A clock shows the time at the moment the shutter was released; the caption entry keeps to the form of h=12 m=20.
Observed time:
h=11 m=58
